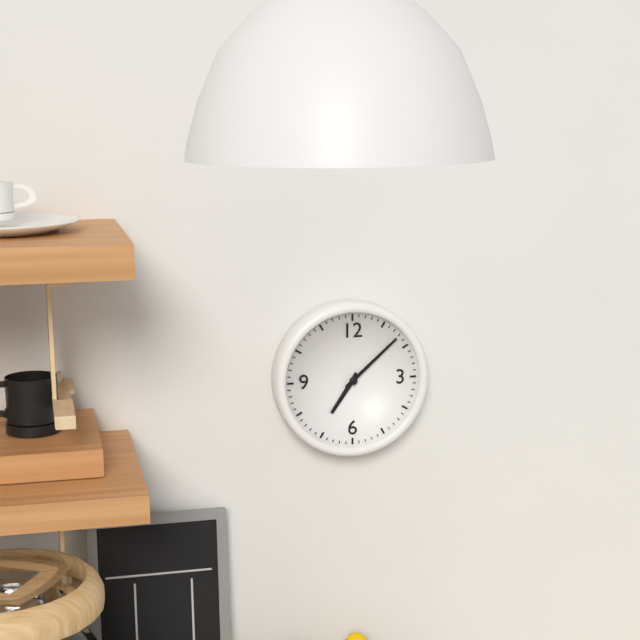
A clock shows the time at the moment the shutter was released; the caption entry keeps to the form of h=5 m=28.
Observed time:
h=7 m=8
